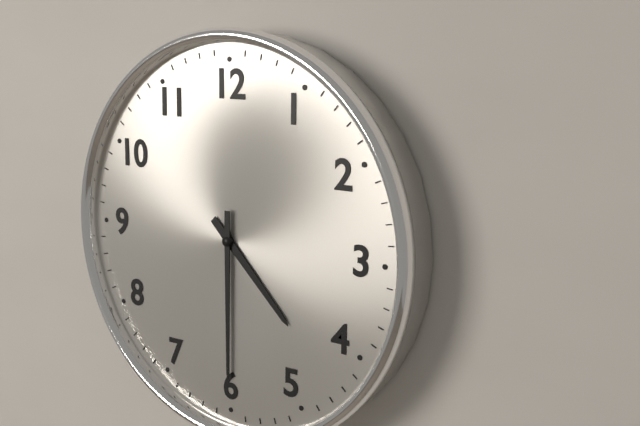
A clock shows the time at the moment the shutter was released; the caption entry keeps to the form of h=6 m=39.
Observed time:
h=4 m=30
